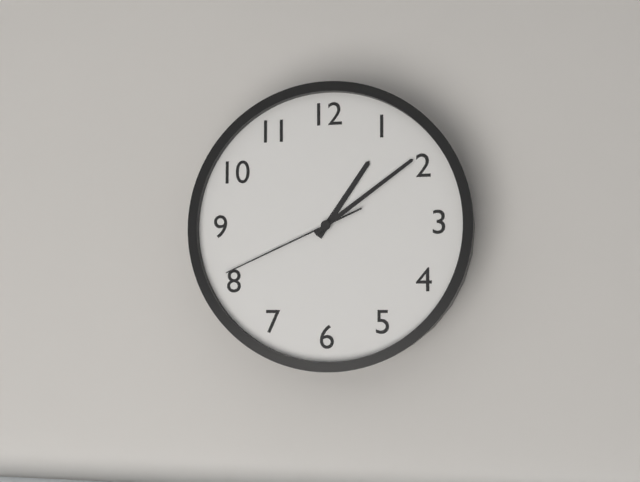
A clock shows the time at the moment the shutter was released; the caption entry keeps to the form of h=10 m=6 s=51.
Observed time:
h=1 m=9 s=41
